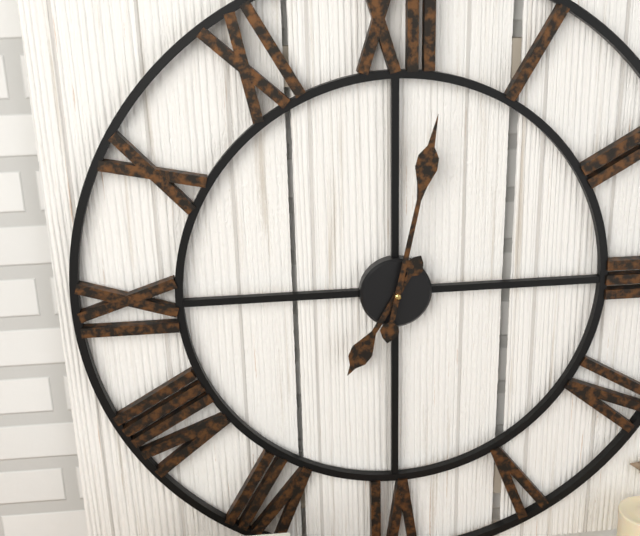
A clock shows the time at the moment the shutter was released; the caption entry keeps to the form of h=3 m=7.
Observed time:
h=7 m=2
